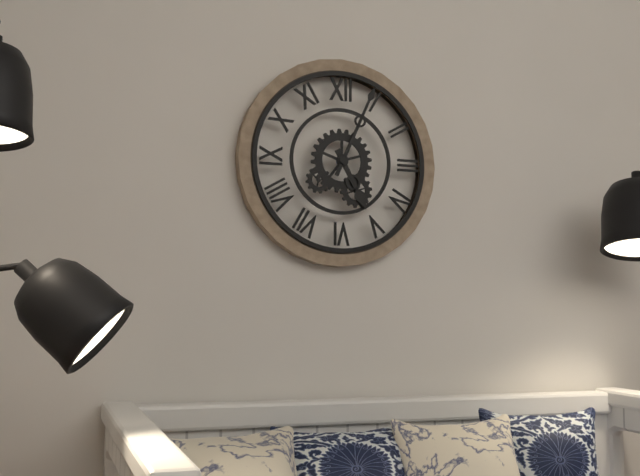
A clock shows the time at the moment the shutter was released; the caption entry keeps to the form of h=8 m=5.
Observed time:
h=5 m=4
